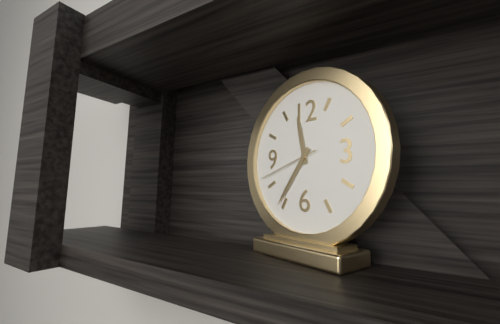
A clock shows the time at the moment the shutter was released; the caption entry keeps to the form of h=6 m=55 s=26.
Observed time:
h=11 m=36 s=42
